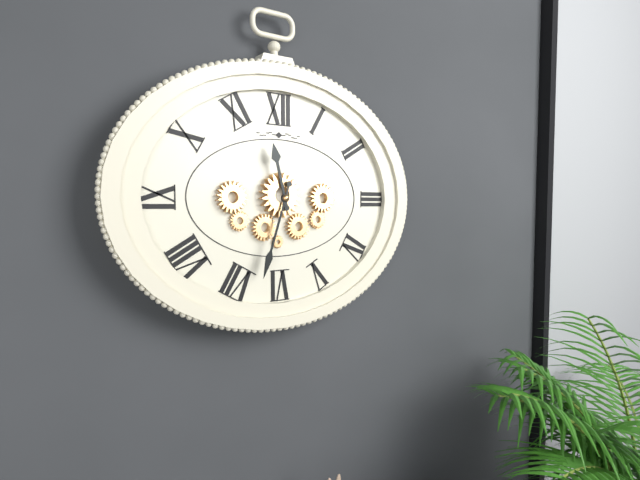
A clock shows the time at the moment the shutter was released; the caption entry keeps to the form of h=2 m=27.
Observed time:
h=11 m=33
